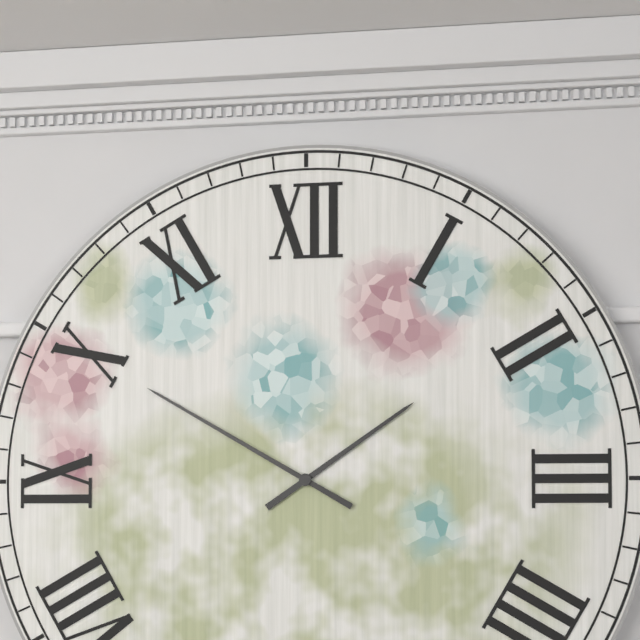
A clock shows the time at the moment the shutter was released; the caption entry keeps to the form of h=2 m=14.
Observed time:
h=1 m=50
